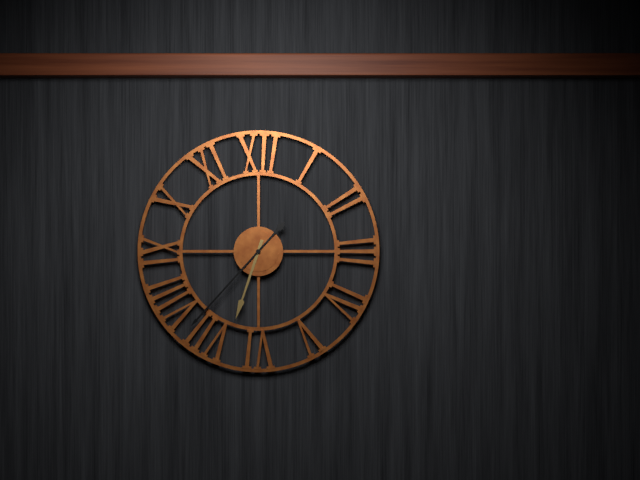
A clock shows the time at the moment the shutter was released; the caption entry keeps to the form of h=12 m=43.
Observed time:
h=6 m=37
